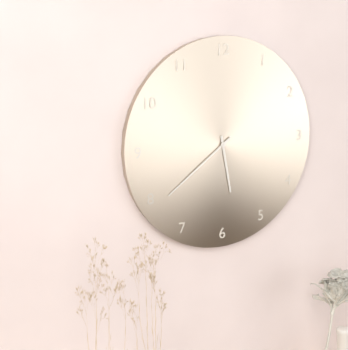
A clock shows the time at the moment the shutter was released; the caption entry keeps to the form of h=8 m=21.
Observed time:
h=5 m=39
